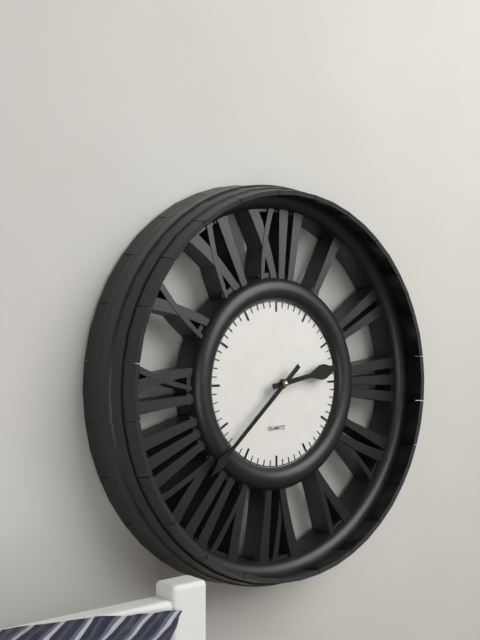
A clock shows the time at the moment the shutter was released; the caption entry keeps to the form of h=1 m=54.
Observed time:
h=2 m=38
